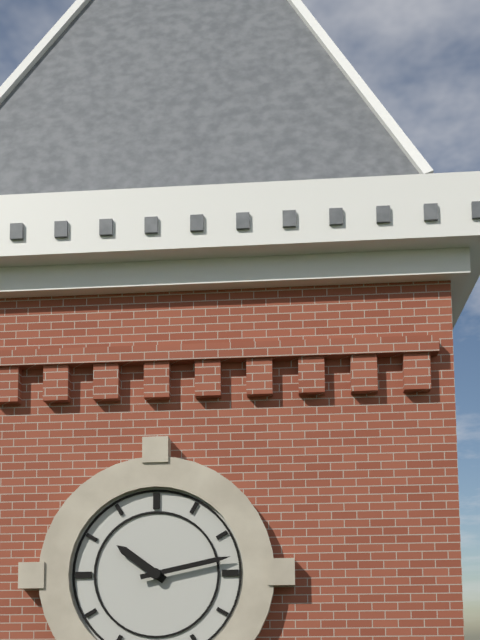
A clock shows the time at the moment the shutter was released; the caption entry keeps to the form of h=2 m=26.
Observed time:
h=10 m=13
